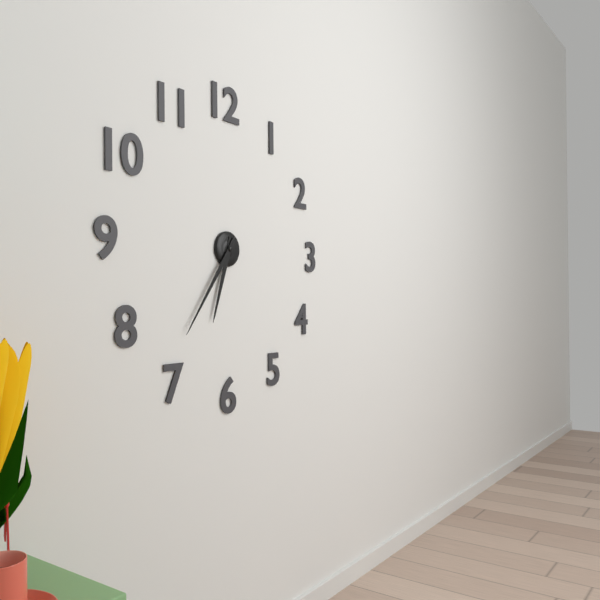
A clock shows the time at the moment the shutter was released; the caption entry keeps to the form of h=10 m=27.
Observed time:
h=6 m=36
